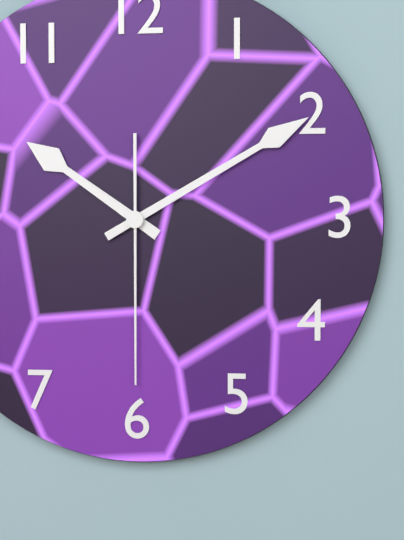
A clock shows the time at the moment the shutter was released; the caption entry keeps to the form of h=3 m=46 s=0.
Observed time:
h=10 m=10 s=30
